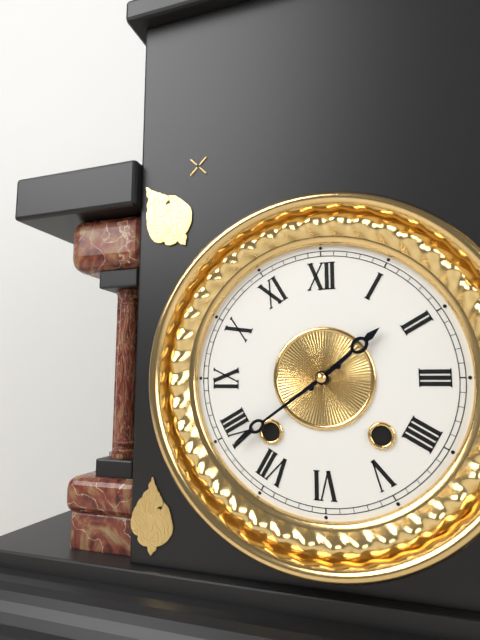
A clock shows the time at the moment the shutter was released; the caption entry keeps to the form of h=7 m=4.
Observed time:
h=1 m=39
